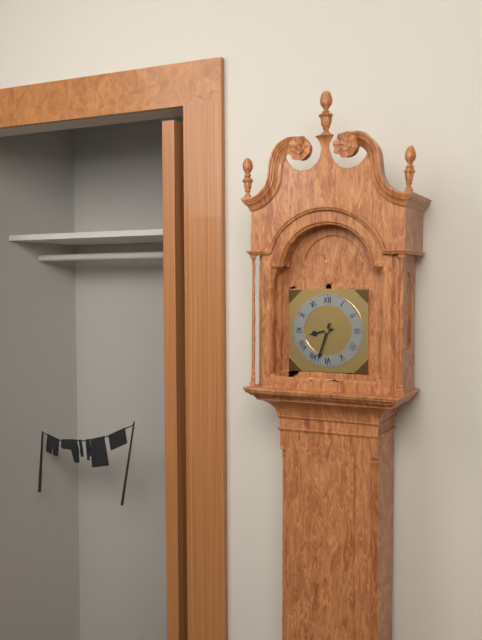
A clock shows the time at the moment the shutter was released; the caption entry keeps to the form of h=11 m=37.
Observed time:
h=8 m=33
